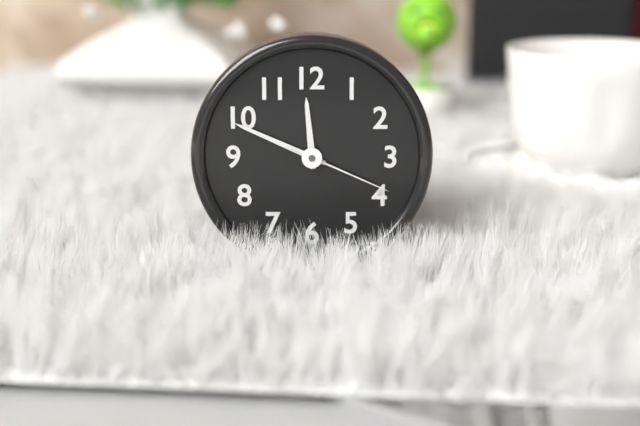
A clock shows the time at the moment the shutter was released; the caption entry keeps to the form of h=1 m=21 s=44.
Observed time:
h=11 m=49 s=19
